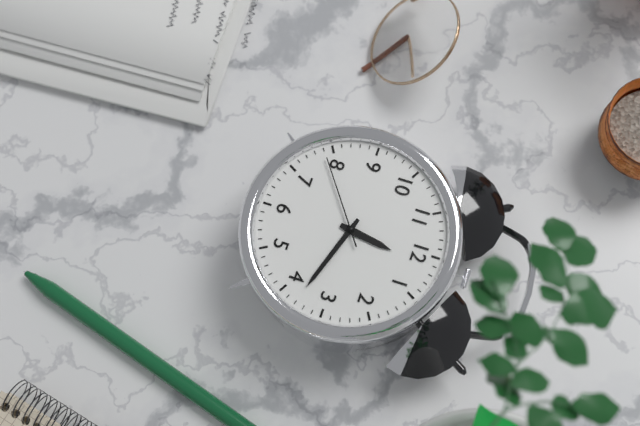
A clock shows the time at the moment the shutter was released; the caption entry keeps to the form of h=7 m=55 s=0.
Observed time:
h=12 m=18 s=39
